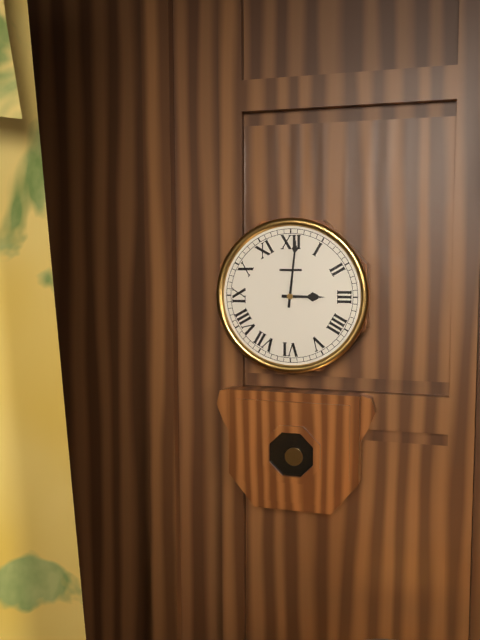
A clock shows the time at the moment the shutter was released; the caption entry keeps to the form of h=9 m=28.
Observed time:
h=3 m=1
